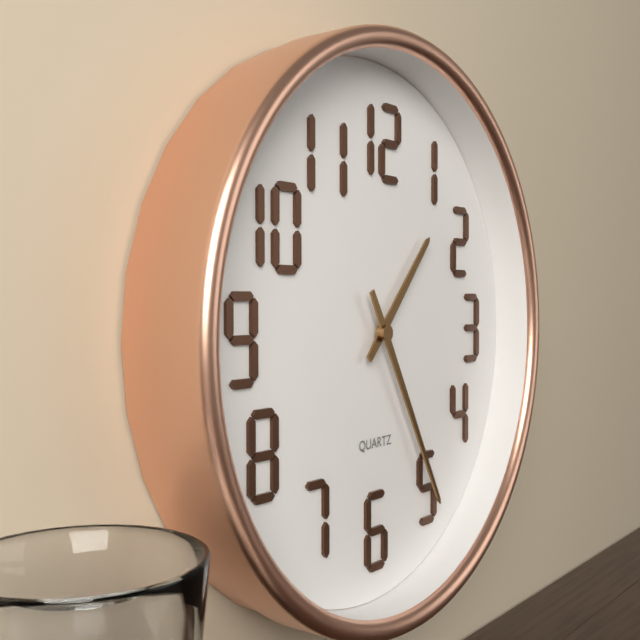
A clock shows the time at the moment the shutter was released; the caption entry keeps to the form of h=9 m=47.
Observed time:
h=1 m=25
